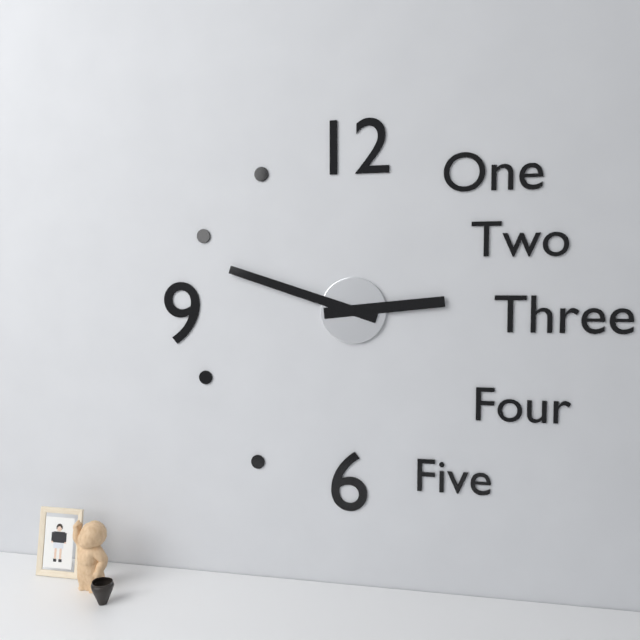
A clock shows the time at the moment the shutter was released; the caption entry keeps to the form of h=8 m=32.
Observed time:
h=2 m=48
